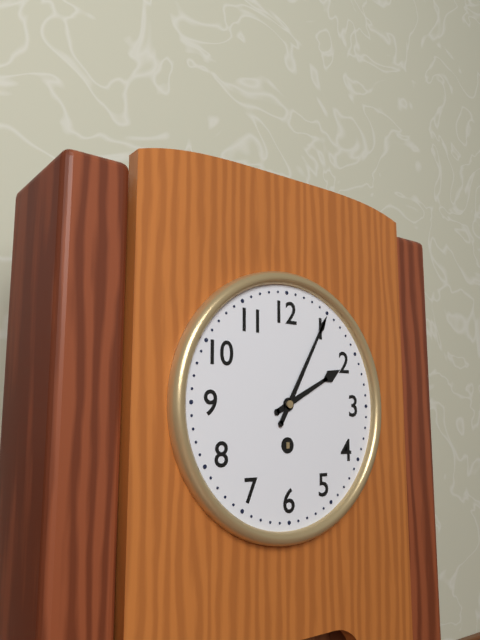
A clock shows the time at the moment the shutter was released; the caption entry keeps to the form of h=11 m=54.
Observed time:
h=2 m=5
